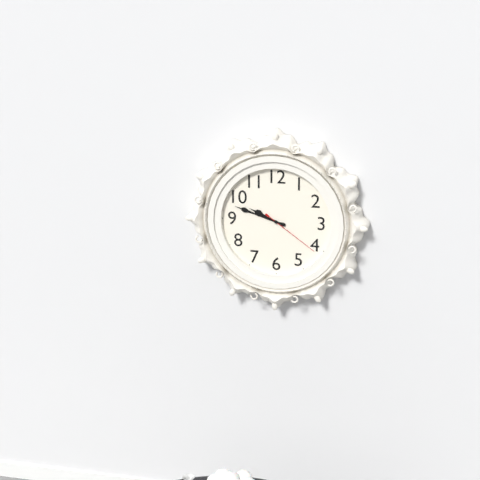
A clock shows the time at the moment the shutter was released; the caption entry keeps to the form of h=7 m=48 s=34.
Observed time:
h=9 m=48 s=21
